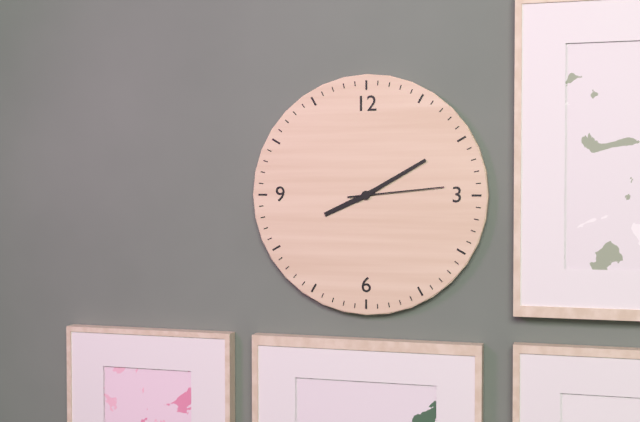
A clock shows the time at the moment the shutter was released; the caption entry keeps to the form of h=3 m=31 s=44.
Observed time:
h=8 m=10 s=14
